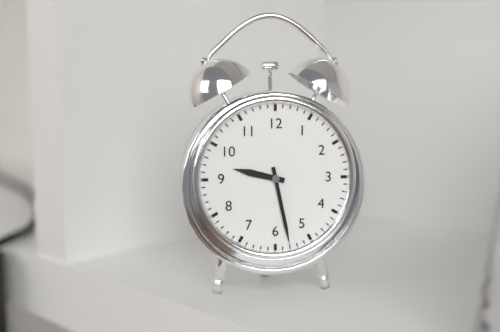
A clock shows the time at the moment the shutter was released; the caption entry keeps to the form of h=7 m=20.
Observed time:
h=9 m=28
